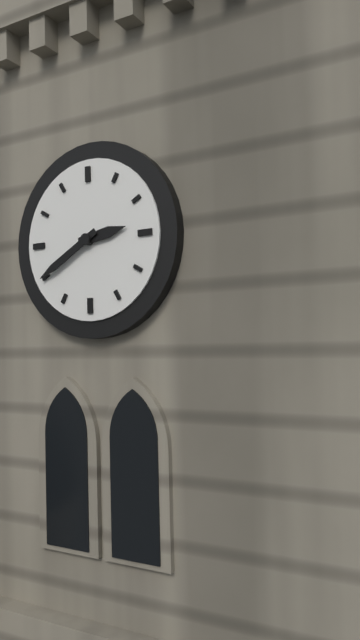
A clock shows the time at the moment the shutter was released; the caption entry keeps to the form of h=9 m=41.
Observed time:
h=2 m=40
